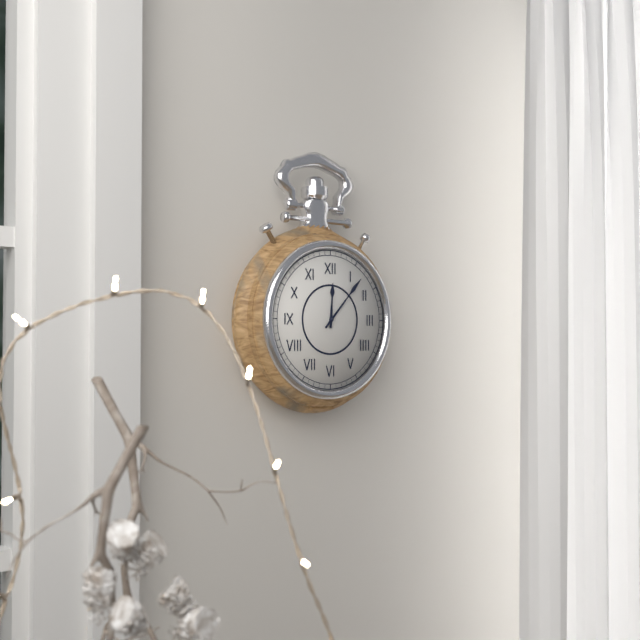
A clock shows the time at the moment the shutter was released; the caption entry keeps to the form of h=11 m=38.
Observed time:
h=12 m=7
